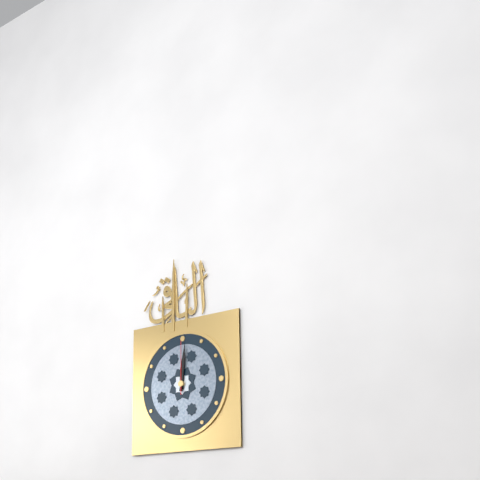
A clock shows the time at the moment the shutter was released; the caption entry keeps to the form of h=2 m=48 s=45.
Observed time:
h=12 m=1 s=0
